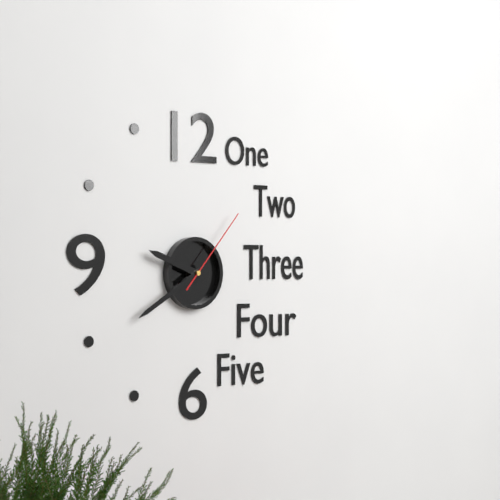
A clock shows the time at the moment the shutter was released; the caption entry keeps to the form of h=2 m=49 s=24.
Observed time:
h=9 m=40 s=7
